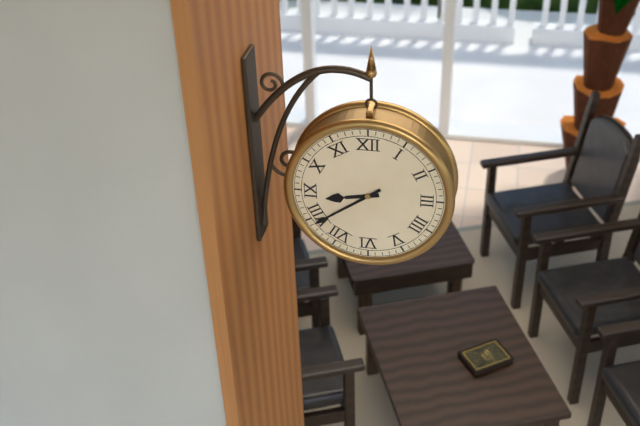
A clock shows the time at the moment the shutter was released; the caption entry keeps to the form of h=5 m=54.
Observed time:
h=8 m=39
